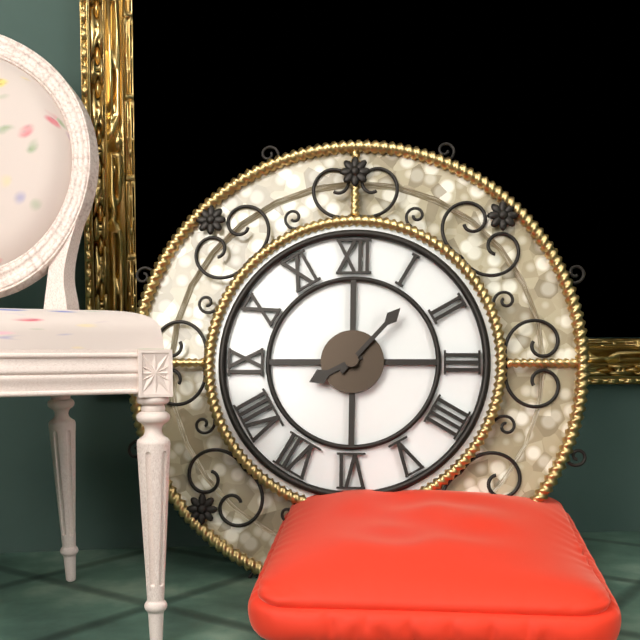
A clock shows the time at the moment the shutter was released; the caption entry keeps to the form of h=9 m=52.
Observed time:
h=8 m=7
